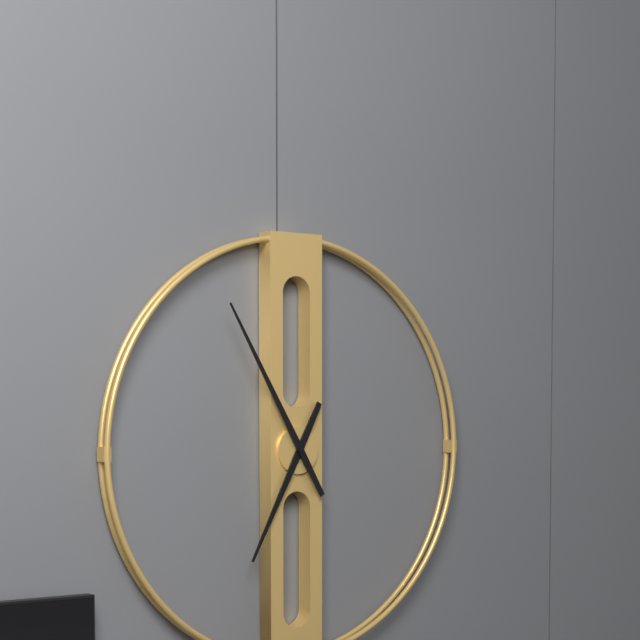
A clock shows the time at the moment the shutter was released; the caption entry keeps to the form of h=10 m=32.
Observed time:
h=6 m=55
